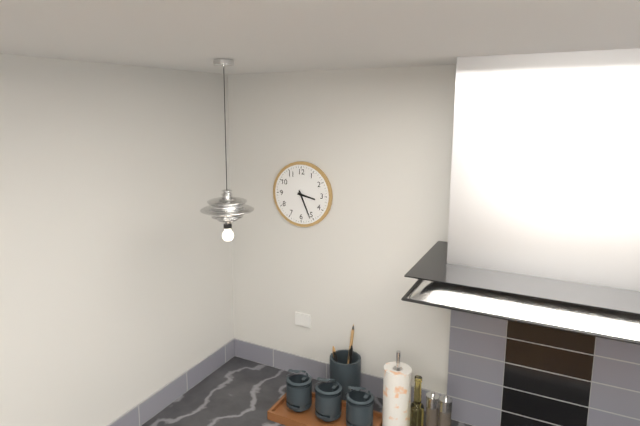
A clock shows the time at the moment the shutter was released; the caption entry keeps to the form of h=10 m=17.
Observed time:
h=3 m=26
